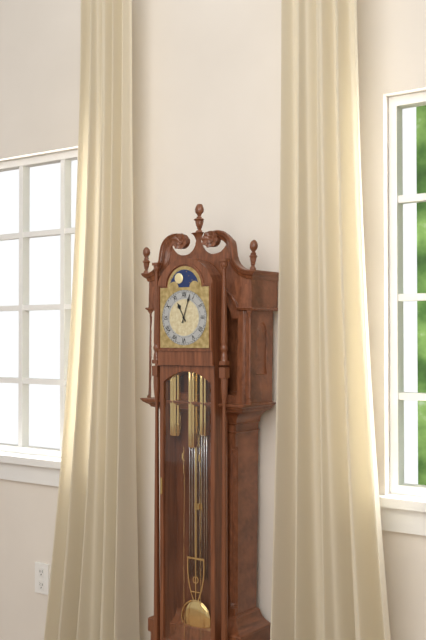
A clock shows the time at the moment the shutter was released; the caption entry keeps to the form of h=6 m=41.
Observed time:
h=11 m=3
